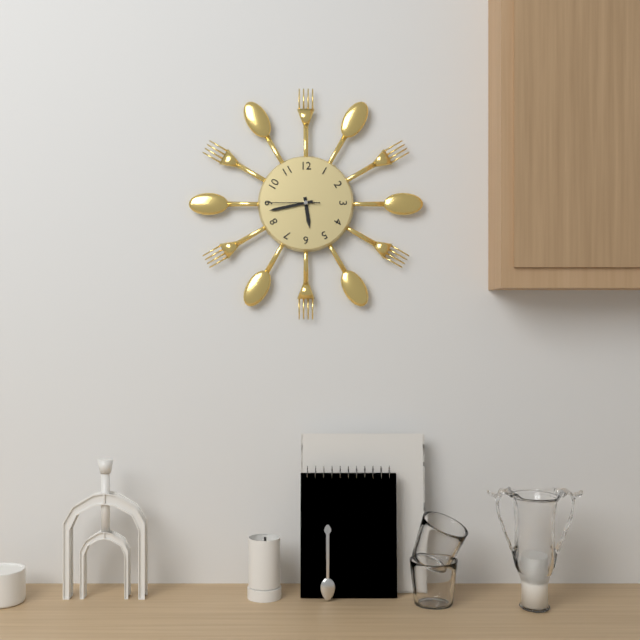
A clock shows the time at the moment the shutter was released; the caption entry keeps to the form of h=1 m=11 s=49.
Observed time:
h=5 m=43 s=45
